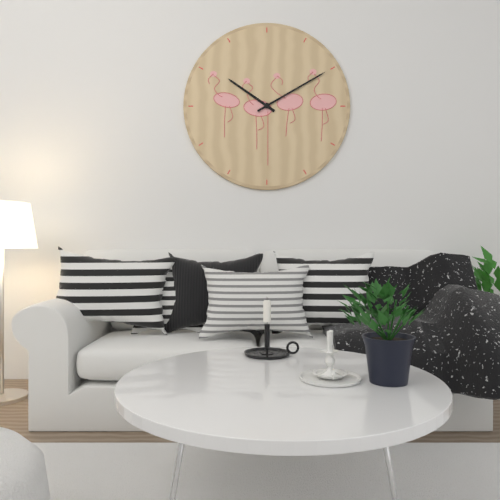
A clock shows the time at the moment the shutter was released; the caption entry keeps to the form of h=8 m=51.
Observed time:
h=10 m=10
